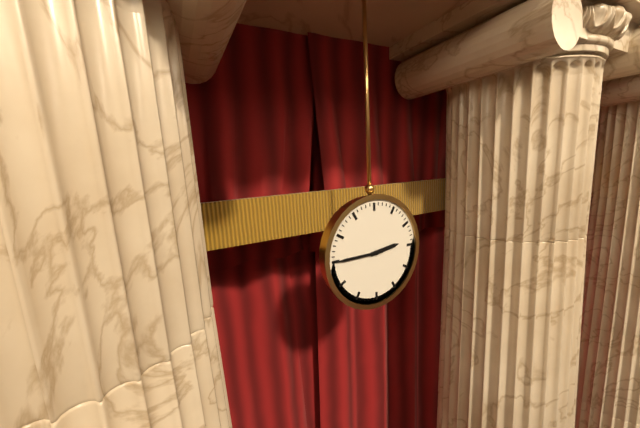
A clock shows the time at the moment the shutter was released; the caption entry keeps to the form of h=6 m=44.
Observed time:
h=2 m=45
